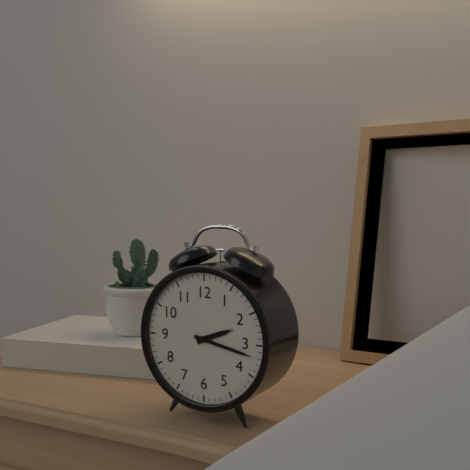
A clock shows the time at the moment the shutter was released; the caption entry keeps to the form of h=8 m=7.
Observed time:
h=2 m=17
